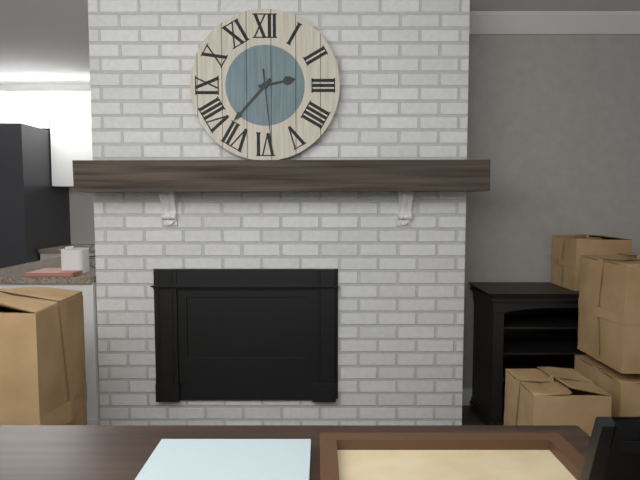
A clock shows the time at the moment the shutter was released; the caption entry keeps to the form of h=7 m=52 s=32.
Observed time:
h=2 m=37 s=29
